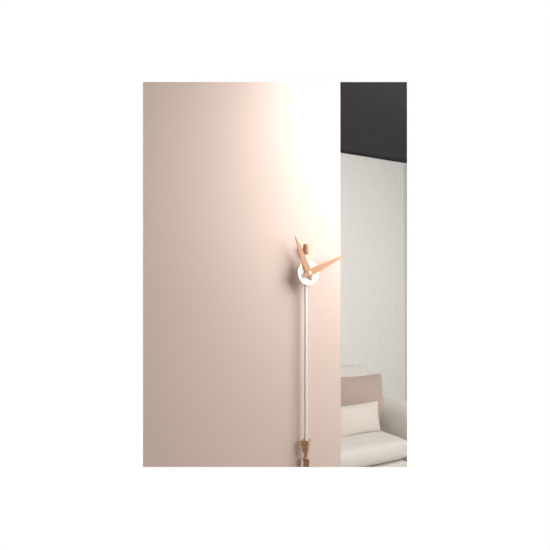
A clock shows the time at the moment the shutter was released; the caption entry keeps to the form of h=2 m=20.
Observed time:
h=11 m=11
